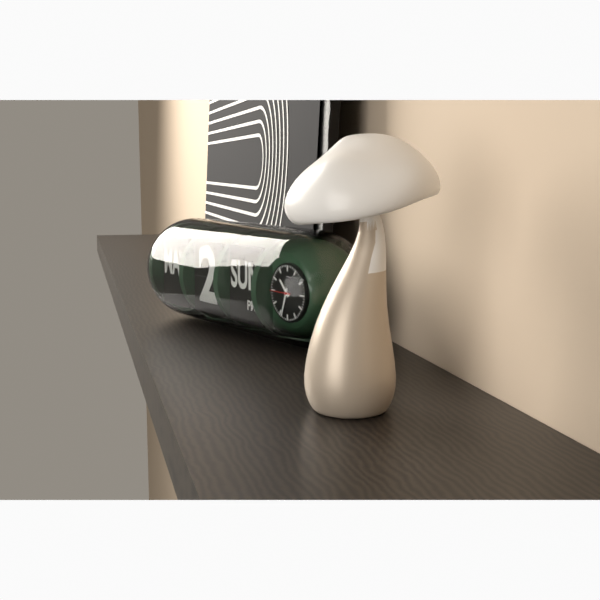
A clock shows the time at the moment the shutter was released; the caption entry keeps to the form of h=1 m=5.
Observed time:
h=10 m=33
